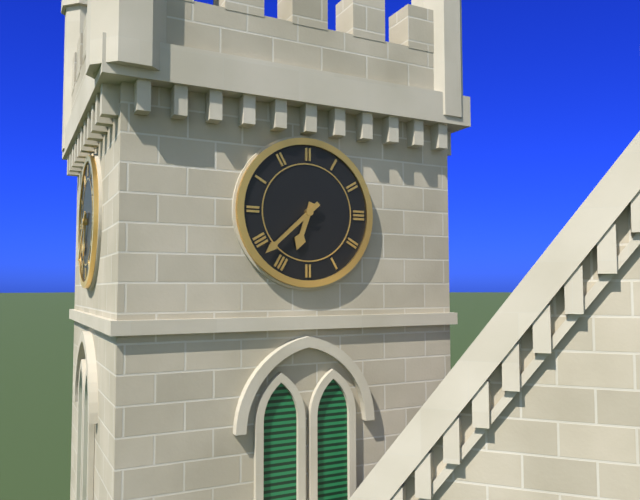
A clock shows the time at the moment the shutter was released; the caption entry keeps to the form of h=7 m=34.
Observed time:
h=6 m=38
